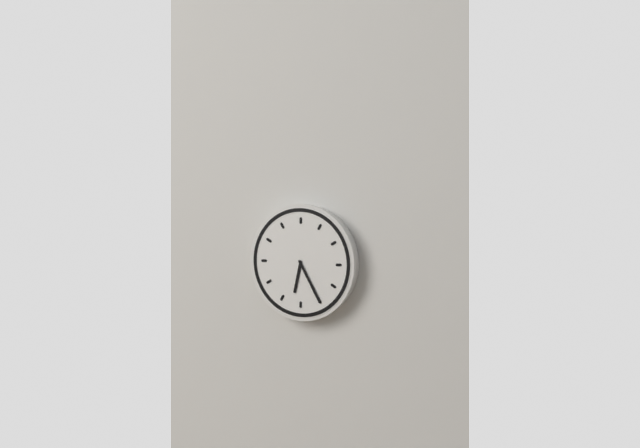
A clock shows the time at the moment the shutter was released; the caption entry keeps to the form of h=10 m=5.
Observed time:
h=6 m=25
